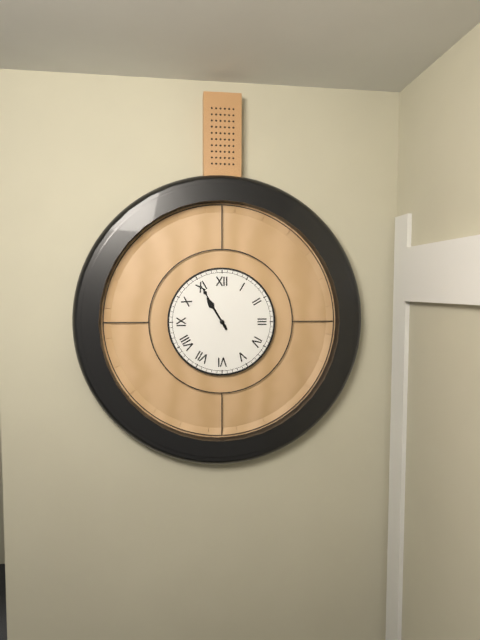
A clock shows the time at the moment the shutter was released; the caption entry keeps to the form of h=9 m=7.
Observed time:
h=10 m=55
